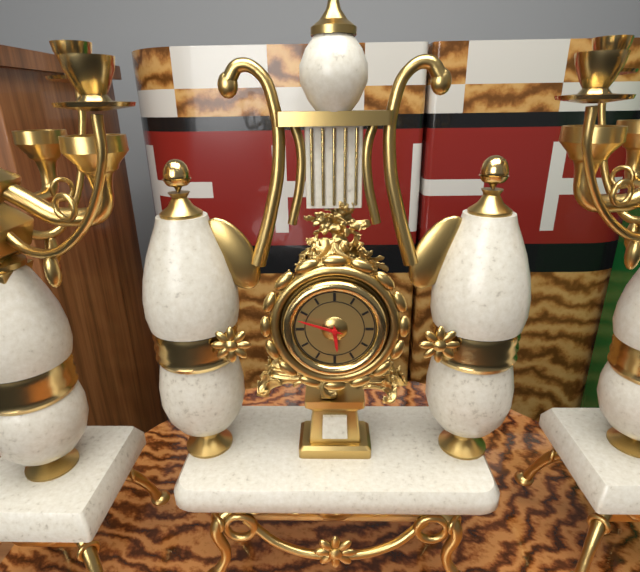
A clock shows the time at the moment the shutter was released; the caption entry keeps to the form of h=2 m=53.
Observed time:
h=5 m=48
